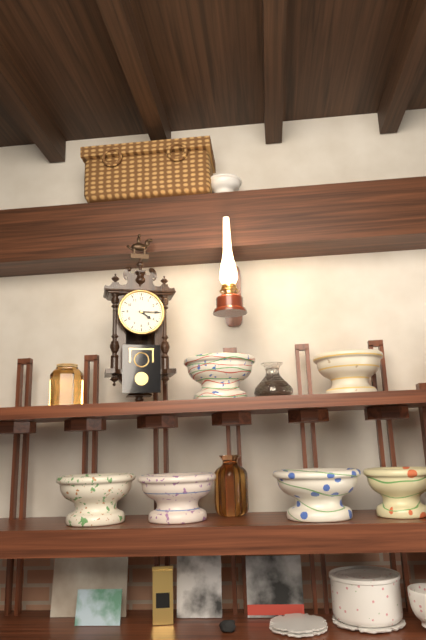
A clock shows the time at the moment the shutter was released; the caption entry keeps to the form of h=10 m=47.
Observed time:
h=4 m=15
